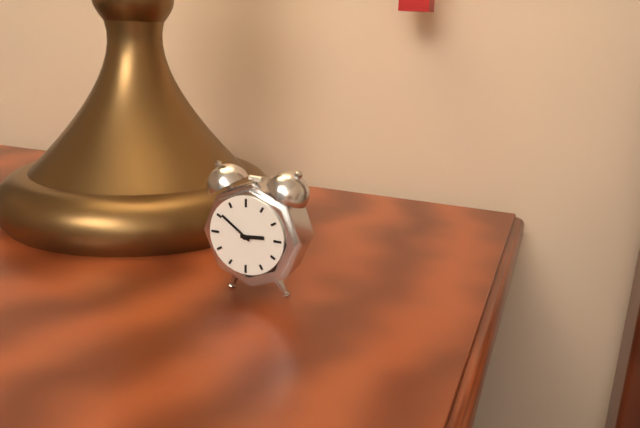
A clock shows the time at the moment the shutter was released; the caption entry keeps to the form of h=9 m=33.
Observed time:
h=2 m=51
